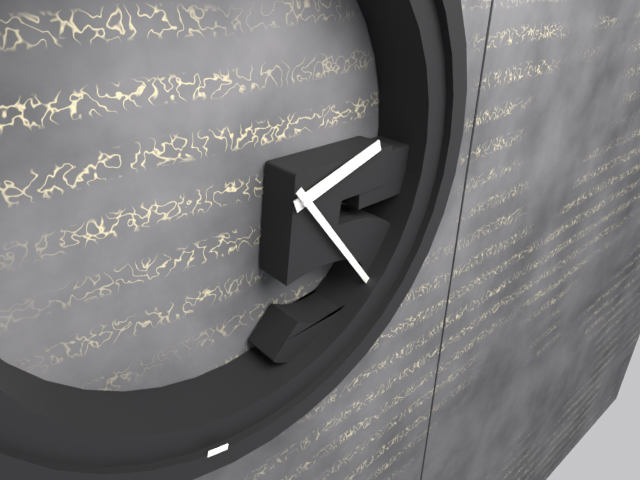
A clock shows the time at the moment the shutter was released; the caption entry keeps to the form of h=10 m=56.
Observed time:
h=2 m=24
